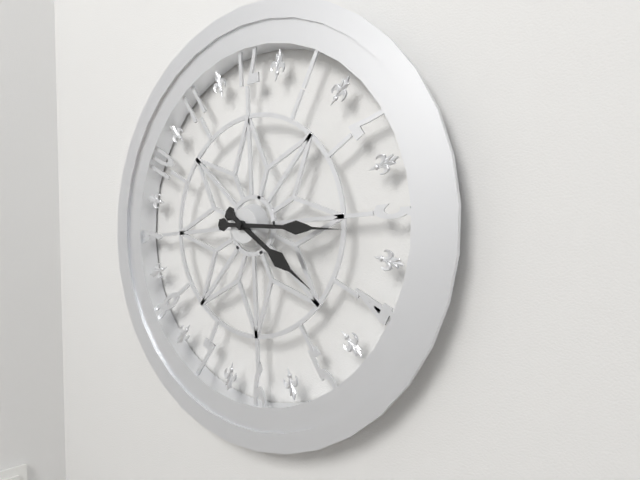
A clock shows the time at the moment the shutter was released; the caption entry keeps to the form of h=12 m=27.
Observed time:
h=4 m=16
